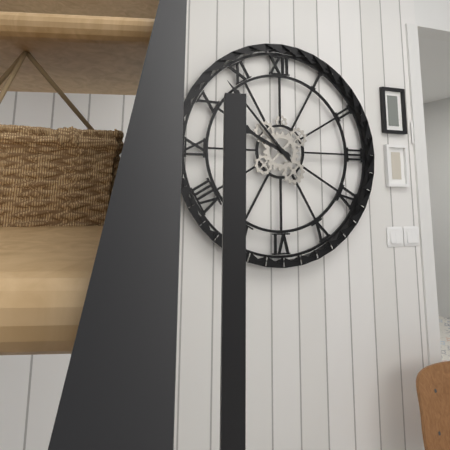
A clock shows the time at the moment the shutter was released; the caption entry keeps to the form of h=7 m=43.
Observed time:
h=9 m=53
